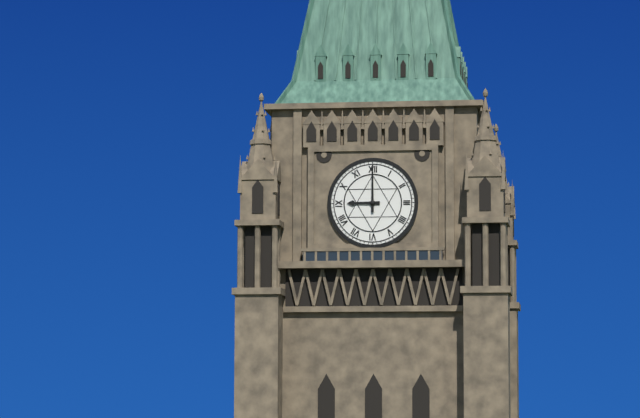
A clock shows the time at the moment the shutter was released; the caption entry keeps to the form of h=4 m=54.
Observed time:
h=9 m=0
